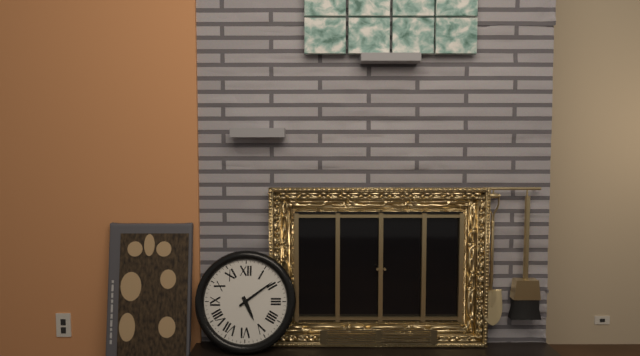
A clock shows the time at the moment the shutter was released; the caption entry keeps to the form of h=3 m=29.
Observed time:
h=5 m=9
